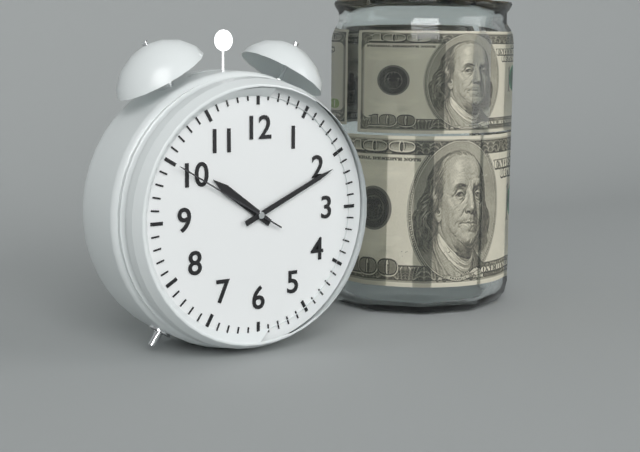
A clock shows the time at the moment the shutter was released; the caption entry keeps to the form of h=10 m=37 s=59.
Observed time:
h=10 m=11 s=50
